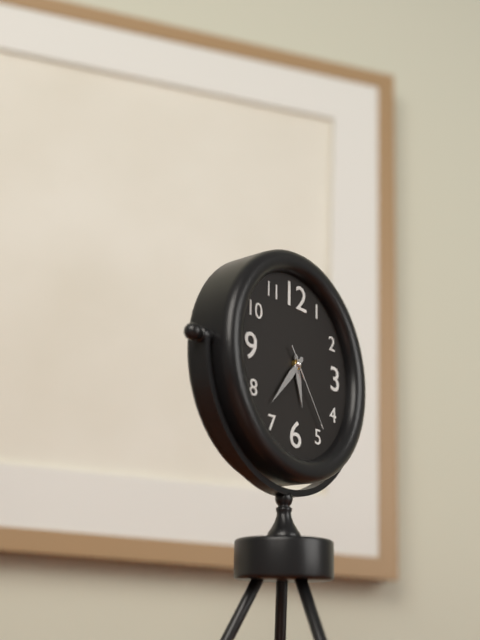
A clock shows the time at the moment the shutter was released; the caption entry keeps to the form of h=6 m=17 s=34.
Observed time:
h=5 m=37 s=24
